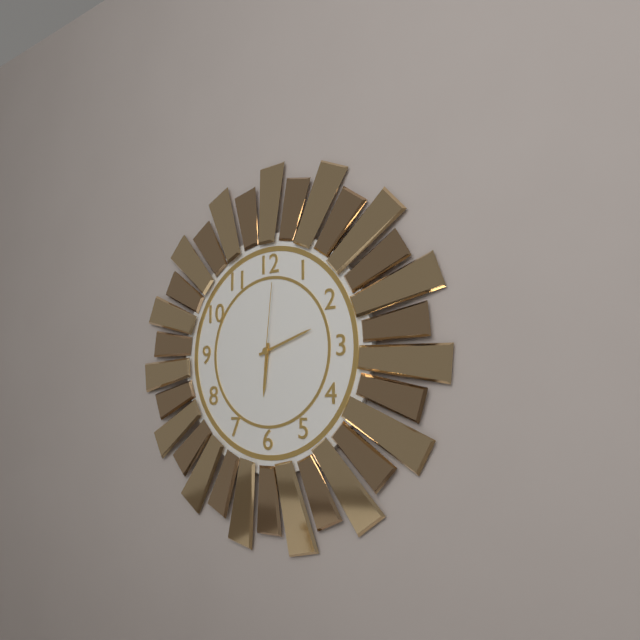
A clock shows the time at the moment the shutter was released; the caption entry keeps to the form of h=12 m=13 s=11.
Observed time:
h=6 m=12 s=1
